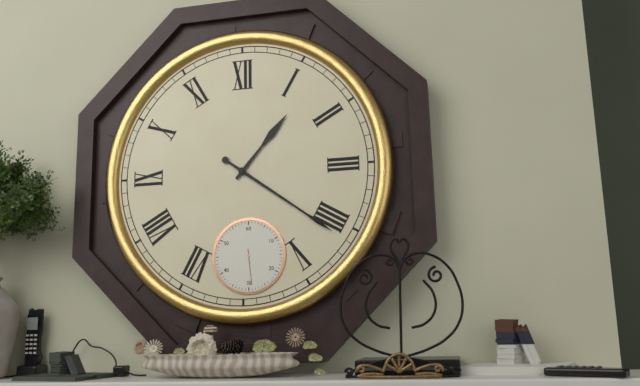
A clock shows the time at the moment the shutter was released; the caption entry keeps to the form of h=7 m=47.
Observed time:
h=1 m=21
